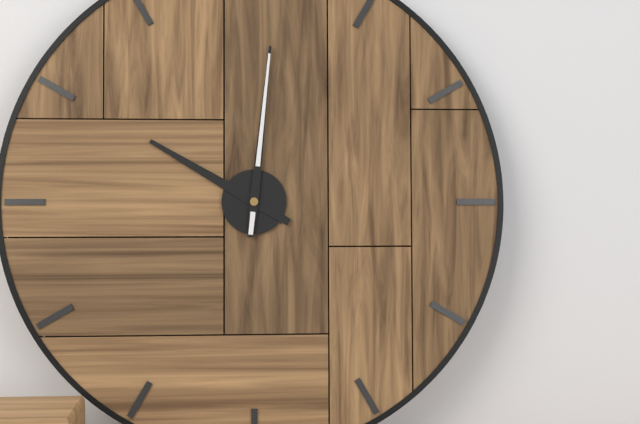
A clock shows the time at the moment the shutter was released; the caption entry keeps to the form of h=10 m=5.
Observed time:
h=10 m=1
